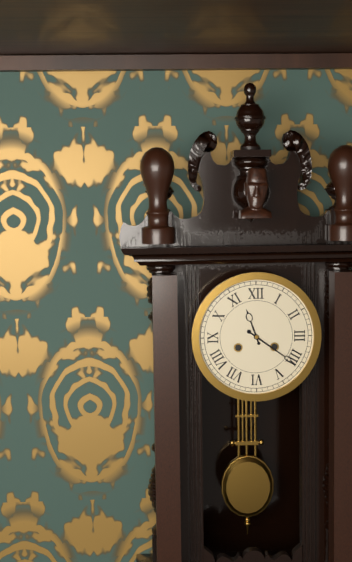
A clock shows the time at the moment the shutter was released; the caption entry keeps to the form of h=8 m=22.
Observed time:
h=11 m=21
